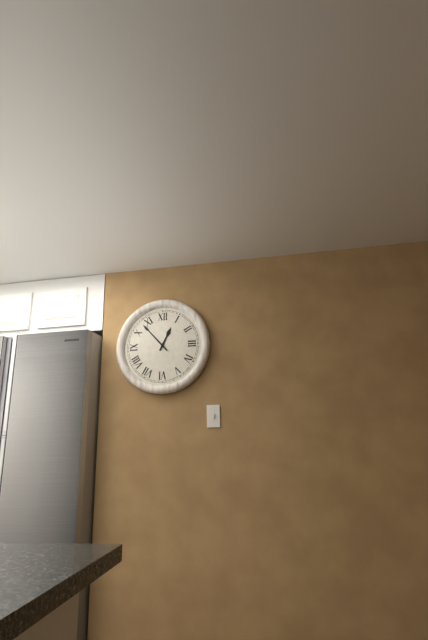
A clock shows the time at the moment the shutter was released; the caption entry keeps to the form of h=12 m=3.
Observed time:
h=12 m=53
